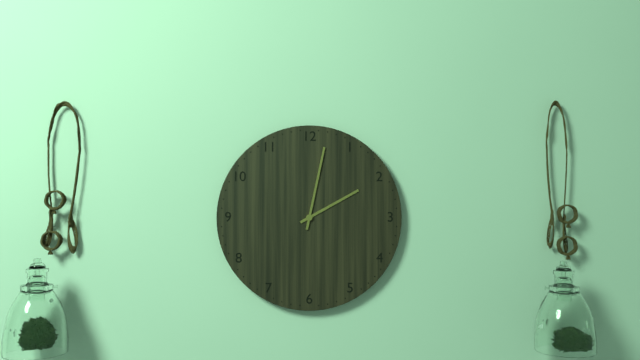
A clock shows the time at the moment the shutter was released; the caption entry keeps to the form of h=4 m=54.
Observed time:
h=2 m=2
